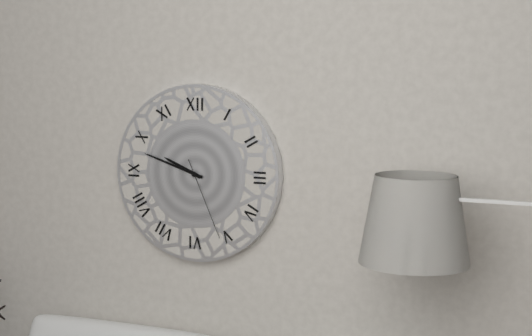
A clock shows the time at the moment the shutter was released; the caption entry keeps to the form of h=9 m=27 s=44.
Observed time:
h=9 m=48 s=26
